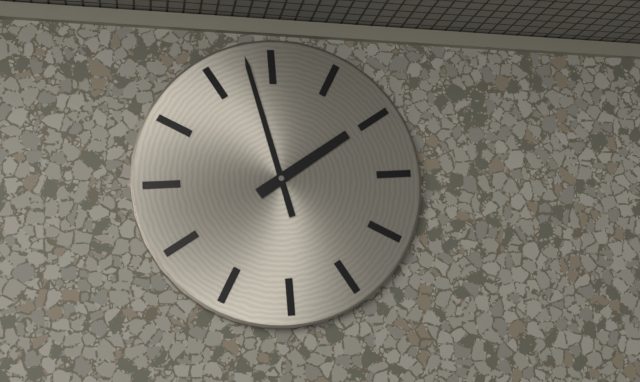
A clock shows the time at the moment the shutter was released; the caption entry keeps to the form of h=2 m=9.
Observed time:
h=1 m=58
